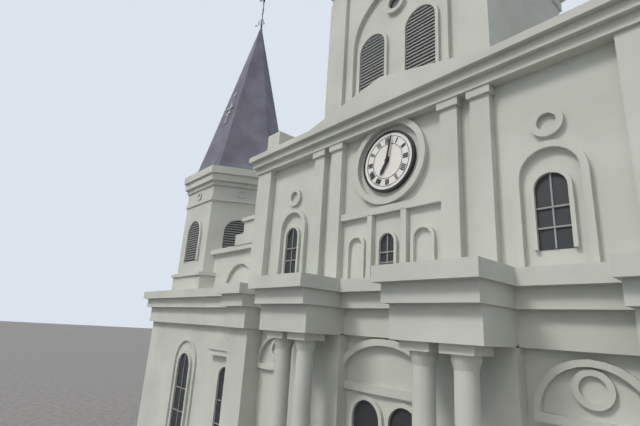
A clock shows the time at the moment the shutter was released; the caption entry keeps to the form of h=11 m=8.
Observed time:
h=7 m=2
